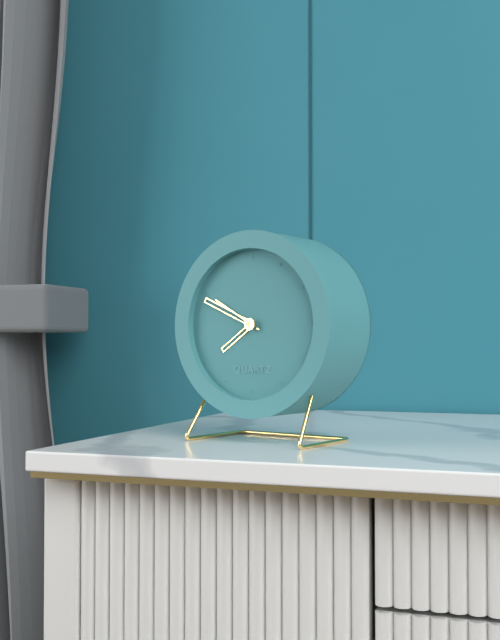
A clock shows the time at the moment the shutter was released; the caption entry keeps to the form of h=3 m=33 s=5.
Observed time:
h=7 m=49 s=50
